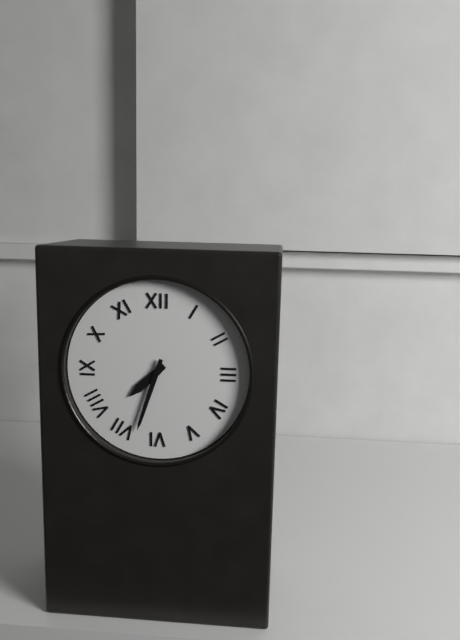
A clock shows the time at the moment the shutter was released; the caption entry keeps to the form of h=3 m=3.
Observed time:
h=7 m=33
